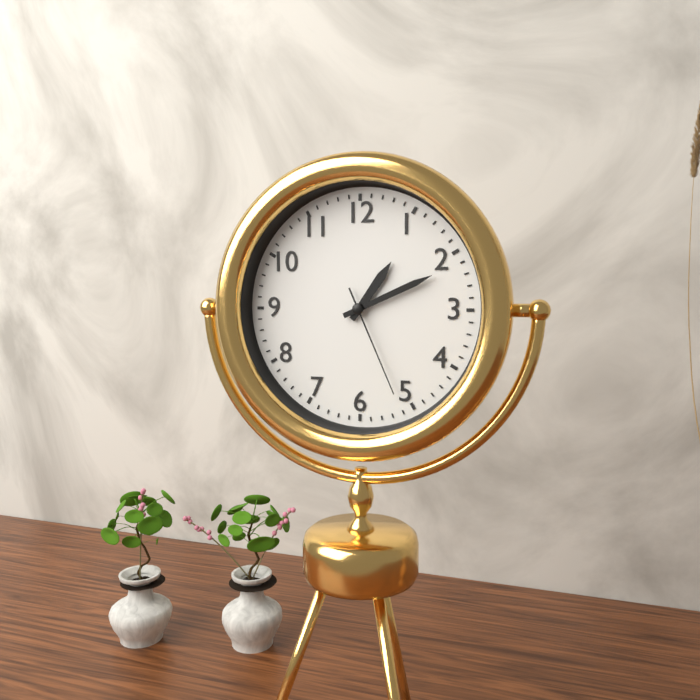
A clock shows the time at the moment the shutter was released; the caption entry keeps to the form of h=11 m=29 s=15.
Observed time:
h=1 m=11 s=26
